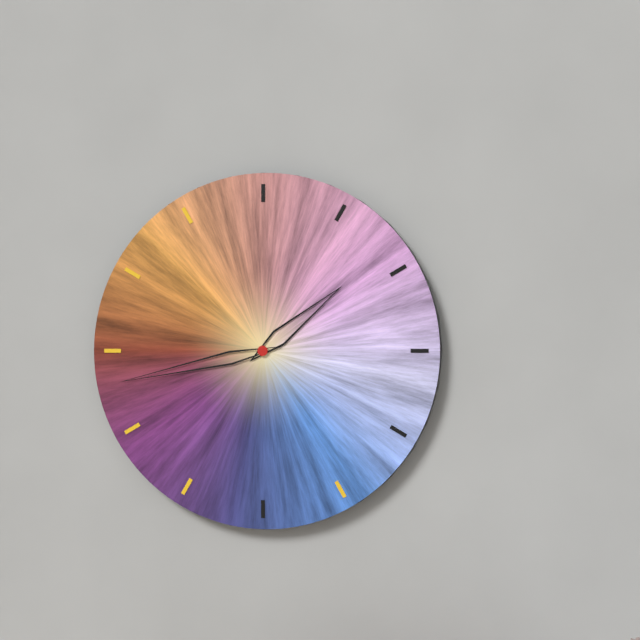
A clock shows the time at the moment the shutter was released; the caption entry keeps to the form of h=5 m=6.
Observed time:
h=1 m=43
